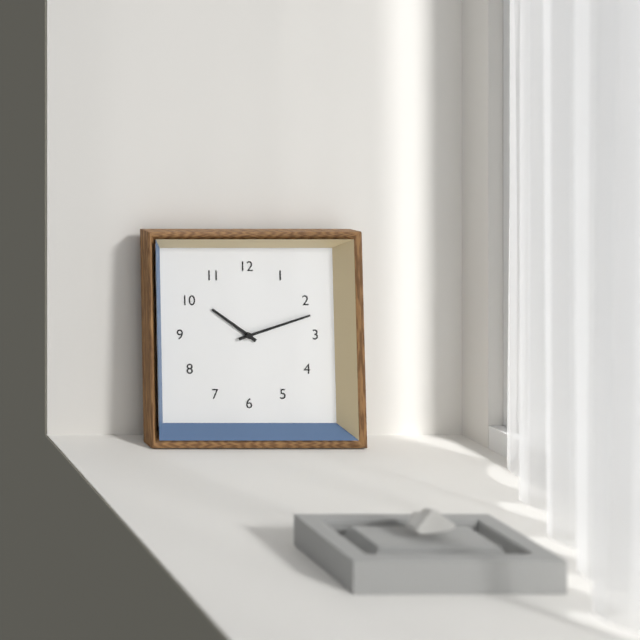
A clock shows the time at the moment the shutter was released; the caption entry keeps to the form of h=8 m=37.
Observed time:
h=10 m=12
